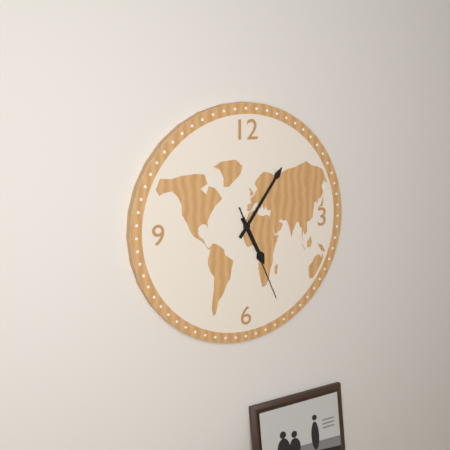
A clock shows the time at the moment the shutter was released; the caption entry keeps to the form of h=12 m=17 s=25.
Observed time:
h=5 m=6 s=26
